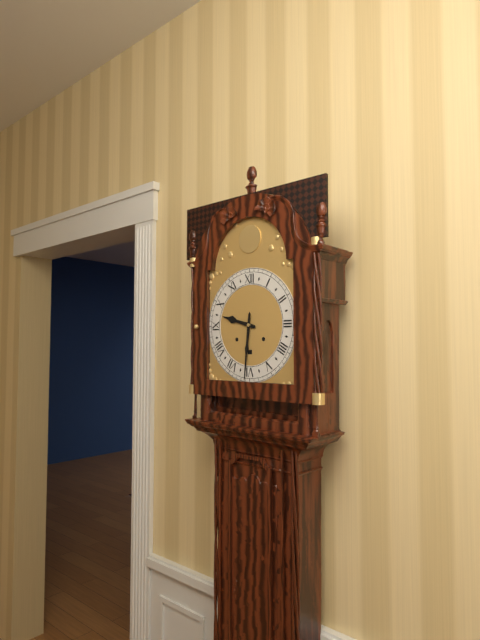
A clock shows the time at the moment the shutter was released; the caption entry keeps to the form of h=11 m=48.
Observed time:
h=9 m=31
